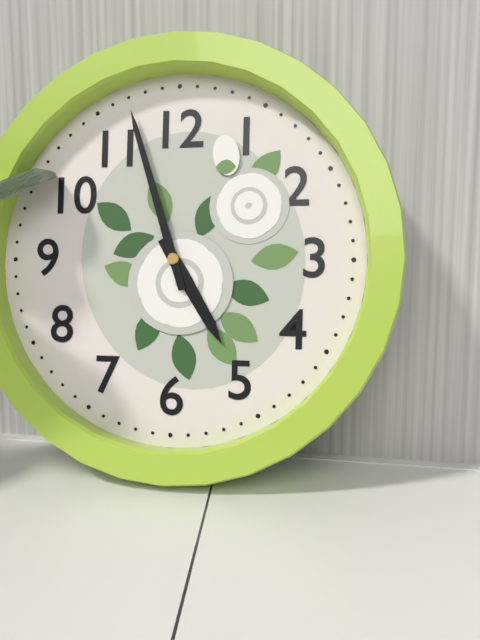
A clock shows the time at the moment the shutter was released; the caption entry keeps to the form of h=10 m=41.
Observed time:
h=4 m=57
